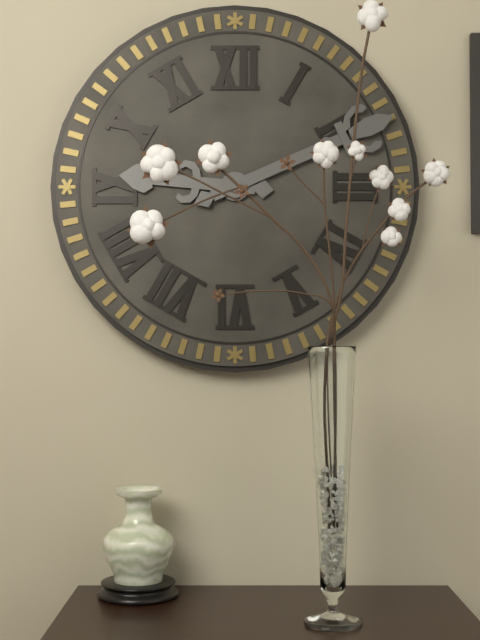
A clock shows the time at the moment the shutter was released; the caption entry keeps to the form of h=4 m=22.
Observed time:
h=9 m=11
